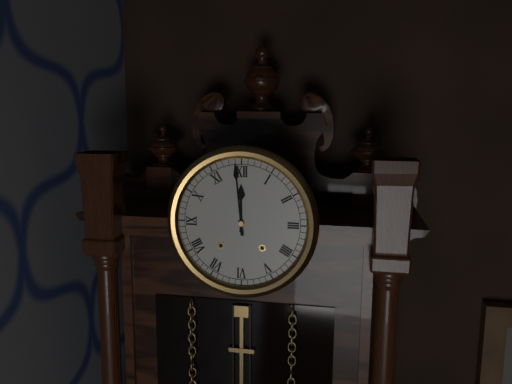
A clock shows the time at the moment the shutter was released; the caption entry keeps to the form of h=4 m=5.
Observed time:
h=11 m=59
